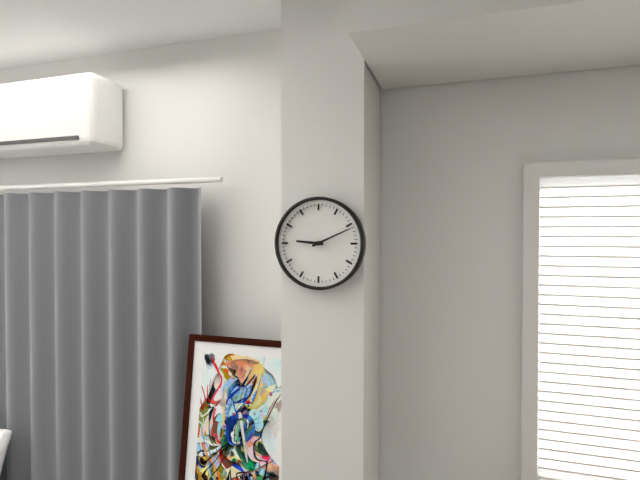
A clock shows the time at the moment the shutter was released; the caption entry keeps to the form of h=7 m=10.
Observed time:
h=9 m=11
